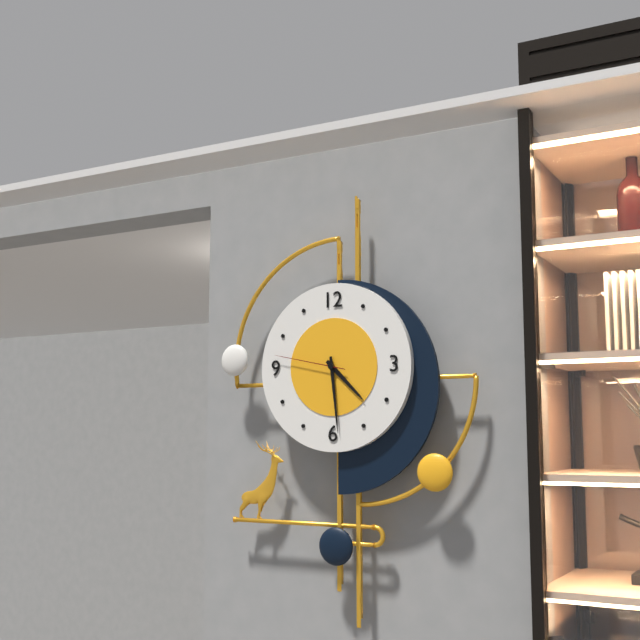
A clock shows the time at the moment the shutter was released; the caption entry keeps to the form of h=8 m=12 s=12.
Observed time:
h=4 m=29 s=47
